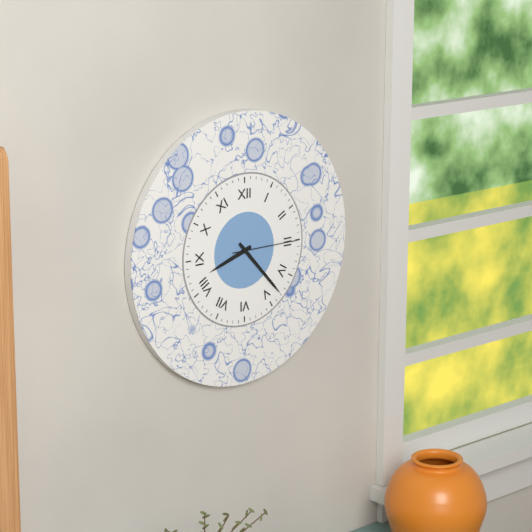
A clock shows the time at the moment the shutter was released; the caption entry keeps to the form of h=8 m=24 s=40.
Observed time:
h=8 m=23 s=15
